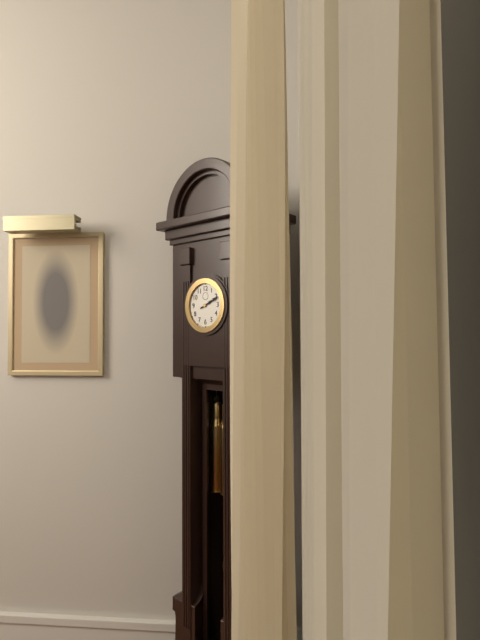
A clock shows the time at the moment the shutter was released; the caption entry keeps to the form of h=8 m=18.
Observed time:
h=2 m=11
